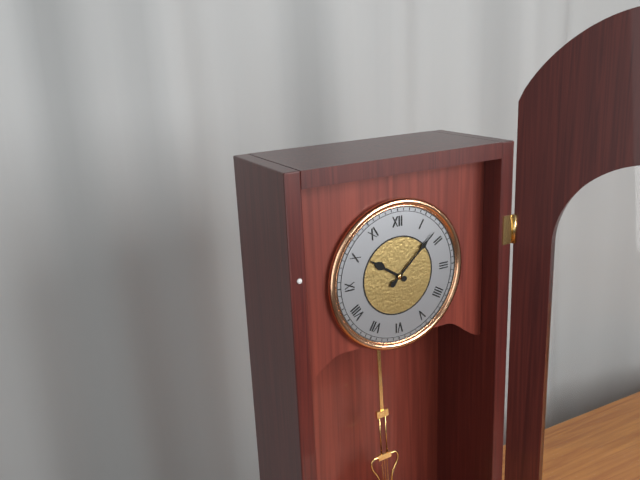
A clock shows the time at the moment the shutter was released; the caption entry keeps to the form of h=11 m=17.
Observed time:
h=10 m=8
